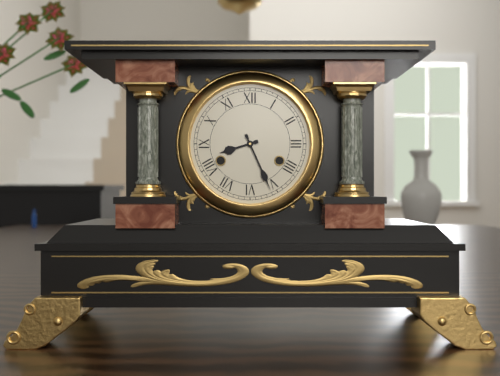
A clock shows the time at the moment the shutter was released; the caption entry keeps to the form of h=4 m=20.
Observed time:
h=8 m=26
